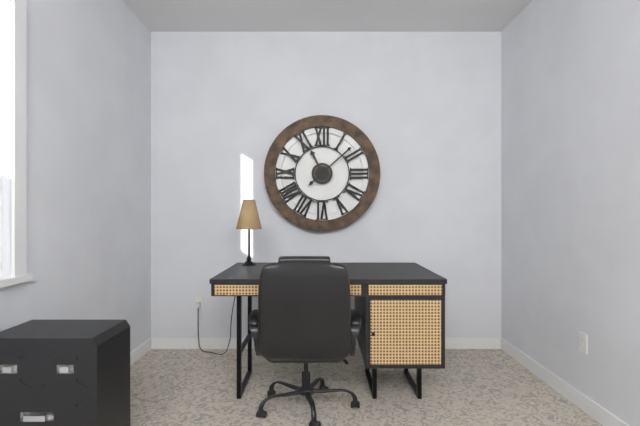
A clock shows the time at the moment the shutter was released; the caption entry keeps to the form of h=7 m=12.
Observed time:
h=11 m=8
